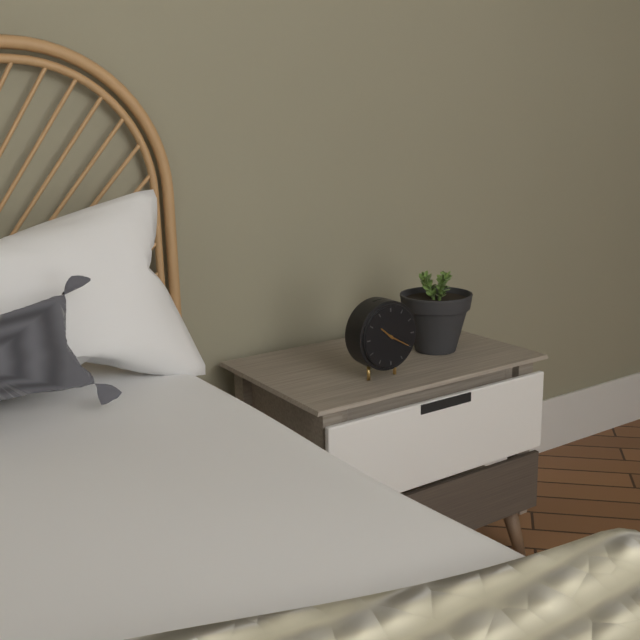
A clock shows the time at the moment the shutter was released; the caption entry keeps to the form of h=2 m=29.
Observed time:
h=10 m=20
